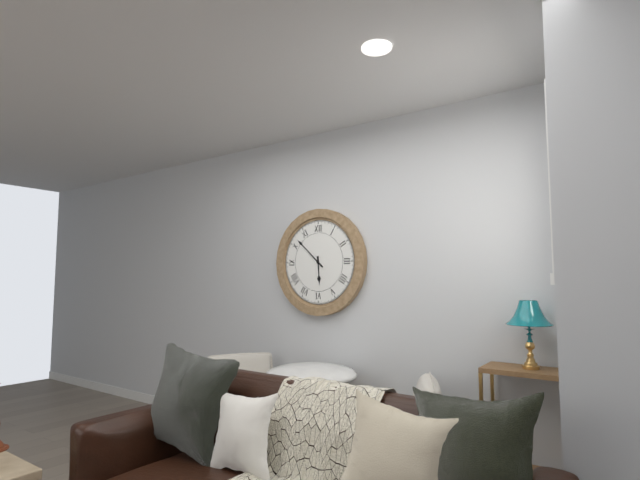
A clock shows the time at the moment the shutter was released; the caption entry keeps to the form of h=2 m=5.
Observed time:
h=5 m=52
